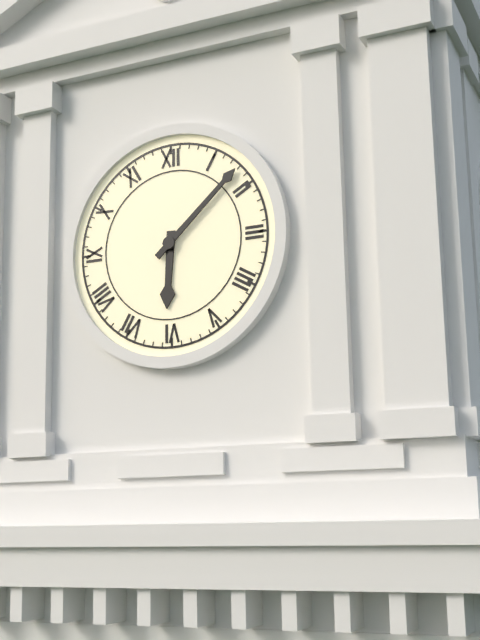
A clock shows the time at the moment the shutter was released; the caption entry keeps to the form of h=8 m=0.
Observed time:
h=6 m=8
